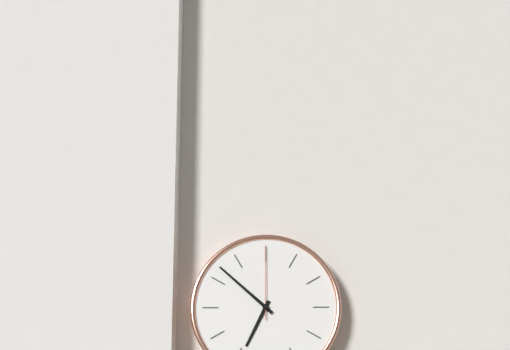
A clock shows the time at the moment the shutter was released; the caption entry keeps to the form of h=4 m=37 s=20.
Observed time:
h=6 m=52 s=0
